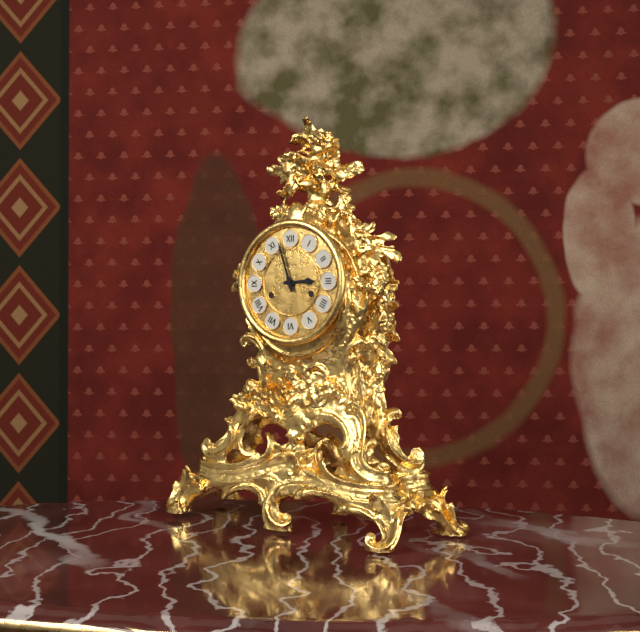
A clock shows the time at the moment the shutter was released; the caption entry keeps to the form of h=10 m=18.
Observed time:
h=2 m=57
